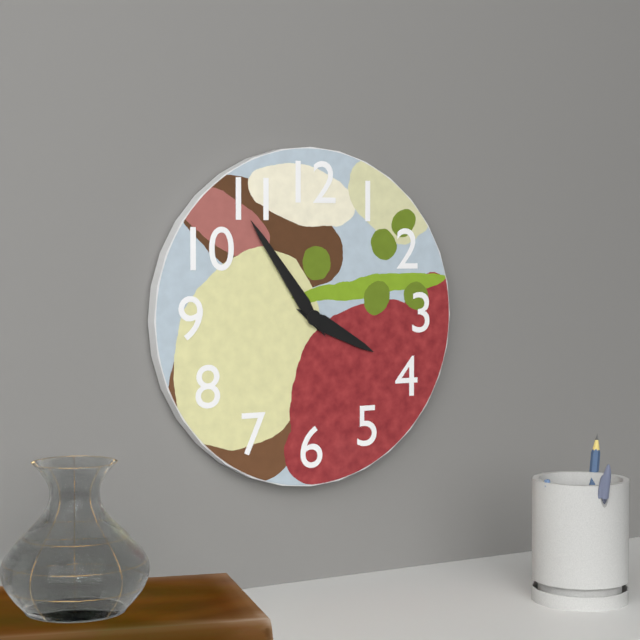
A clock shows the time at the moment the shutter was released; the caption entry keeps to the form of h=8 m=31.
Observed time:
h=3 m=54
